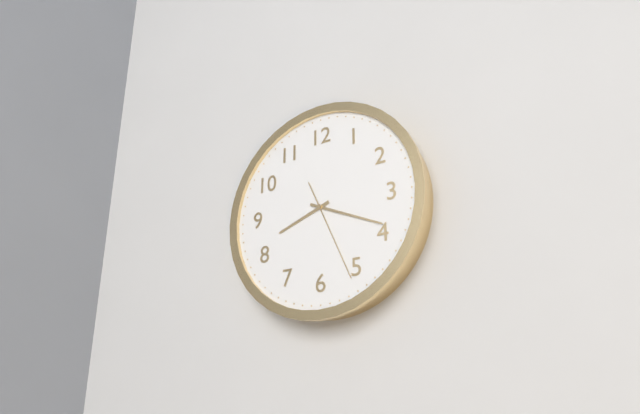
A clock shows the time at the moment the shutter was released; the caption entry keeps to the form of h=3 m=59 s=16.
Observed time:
h=8 m=19 s=26
